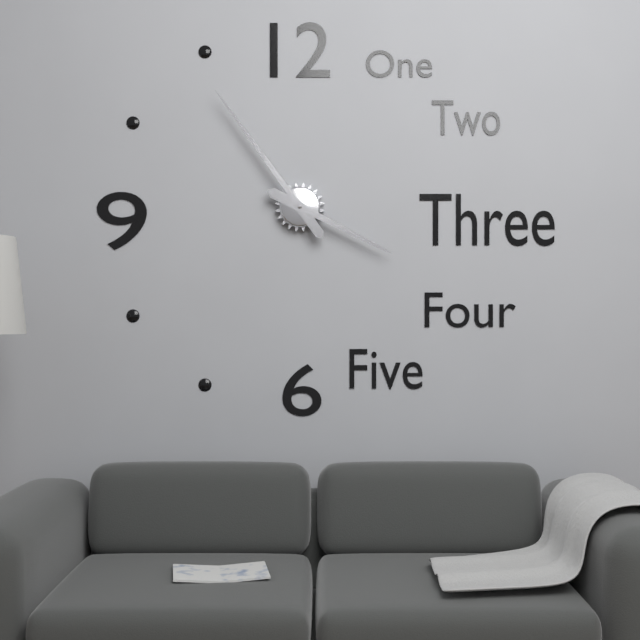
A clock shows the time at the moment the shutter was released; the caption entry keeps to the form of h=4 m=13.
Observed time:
h=3 m=54
